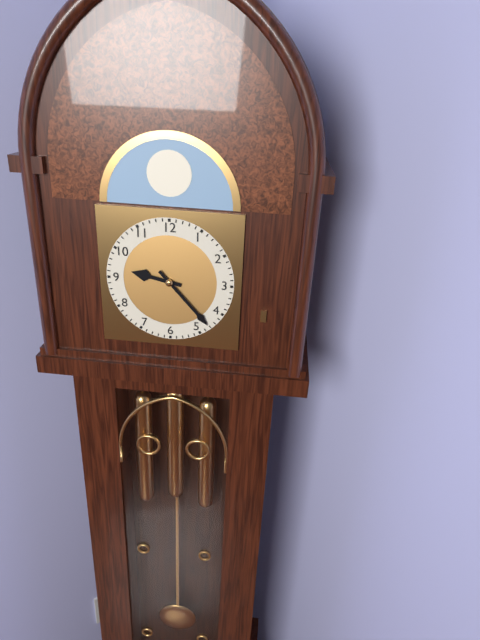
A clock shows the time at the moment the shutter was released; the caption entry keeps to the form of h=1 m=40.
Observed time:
h=9 m=23
